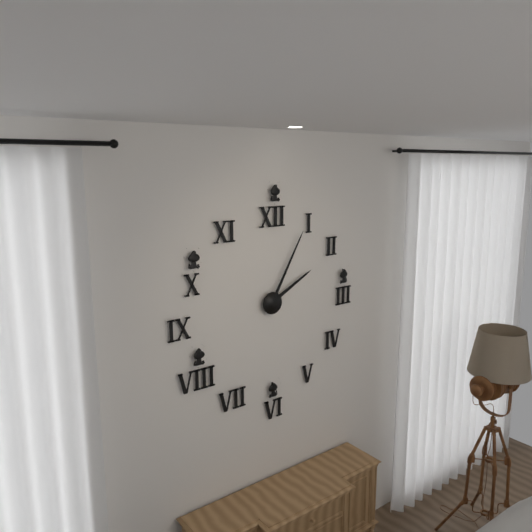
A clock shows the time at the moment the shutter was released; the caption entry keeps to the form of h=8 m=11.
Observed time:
h=2 m=5
